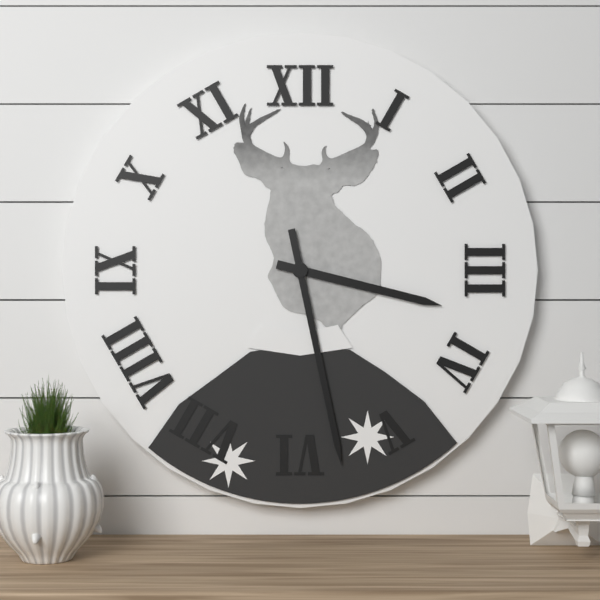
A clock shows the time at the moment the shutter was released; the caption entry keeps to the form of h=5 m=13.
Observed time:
h=3 m=28
